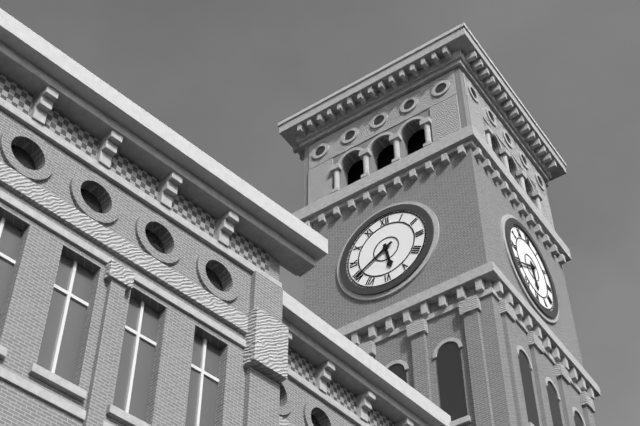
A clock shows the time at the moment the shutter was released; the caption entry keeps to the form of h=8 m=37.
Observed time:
h=5 m=40
